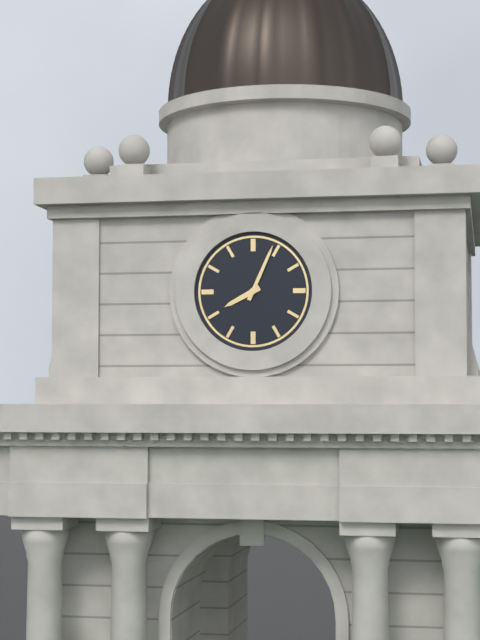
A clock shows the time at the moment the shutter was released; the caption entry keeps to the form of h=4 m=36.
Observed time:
h=8 m=4
